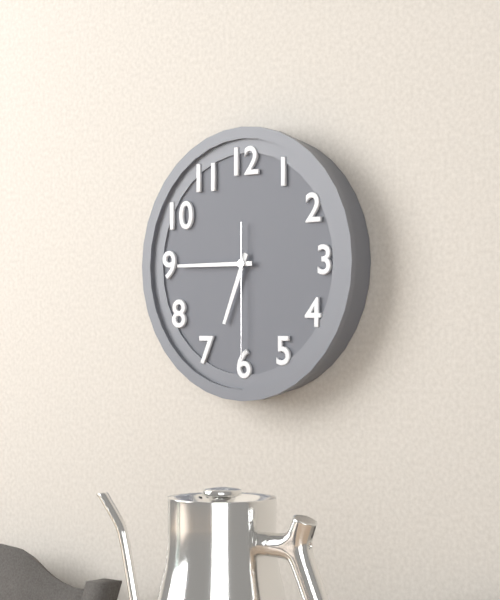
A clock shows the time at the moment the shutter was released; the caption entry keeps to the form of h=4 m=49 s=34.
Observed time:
h=6 m=45 s=30
